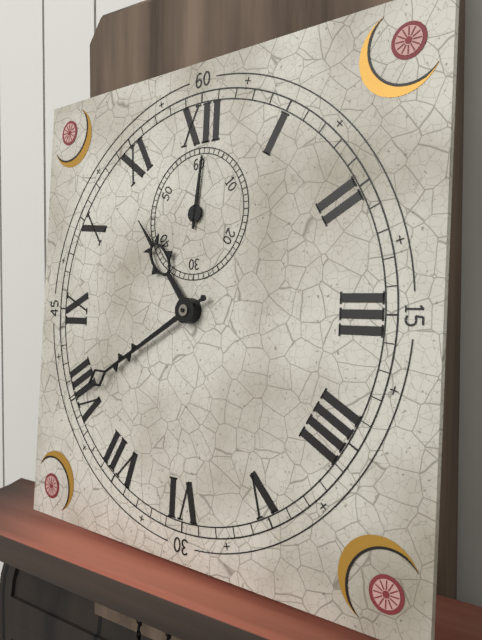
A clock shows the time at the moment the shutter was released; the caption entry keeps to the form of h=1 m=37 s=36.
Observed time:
h=10 m=40 s=1
